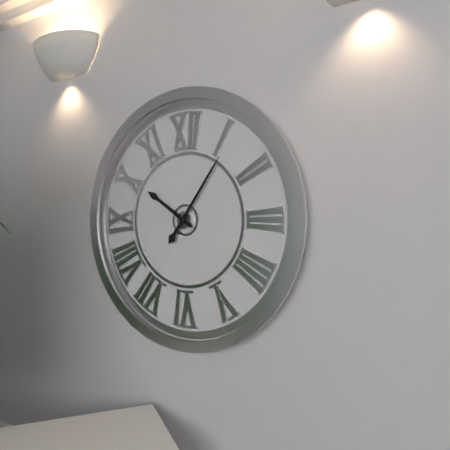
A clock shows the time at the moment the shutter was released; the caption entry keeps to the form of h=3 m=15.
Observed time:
h=10 m=6
